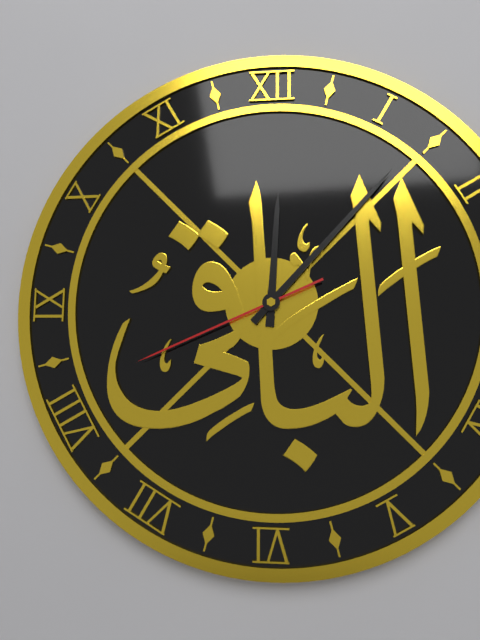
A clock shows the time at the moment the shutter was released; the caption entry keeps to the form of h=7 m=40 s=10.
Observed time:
h=12 m=7 s=41
